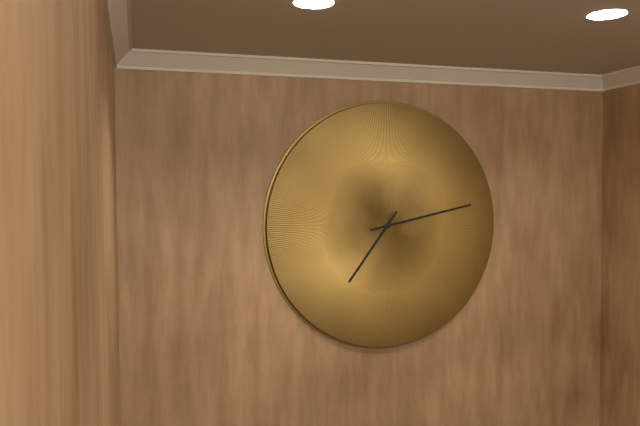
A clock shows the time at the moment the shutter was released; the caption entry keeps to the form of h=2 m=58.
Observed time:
h=7 m=13
